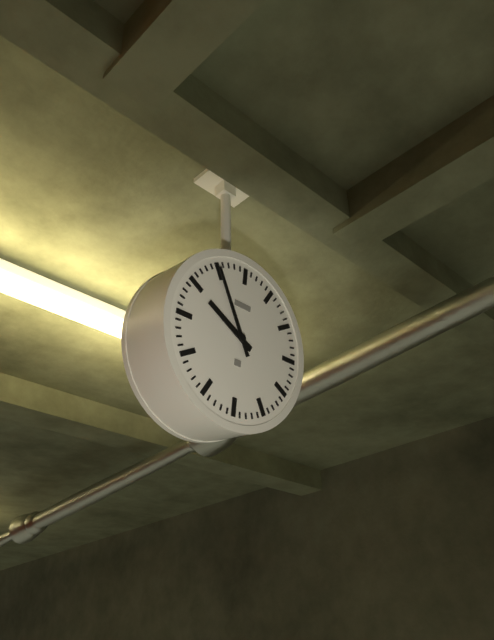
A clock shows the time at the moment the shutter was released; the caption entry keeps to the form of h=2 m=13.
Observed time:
h=9 m=55
